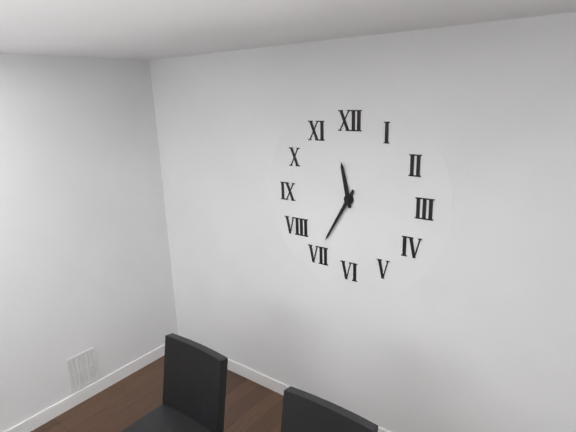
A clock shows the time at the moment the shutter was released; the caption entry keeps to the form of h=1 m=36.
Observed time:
h=11 m=35
